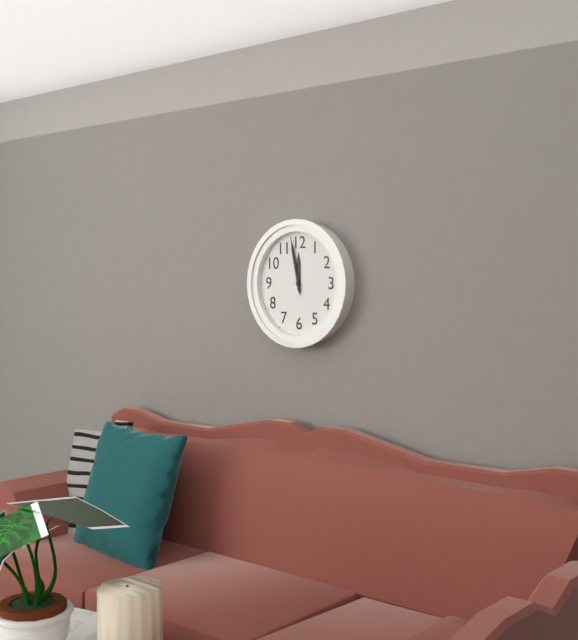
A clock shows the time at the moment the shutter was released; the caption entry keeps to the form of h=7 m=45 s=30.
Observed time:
h=11 m=58 s=58
